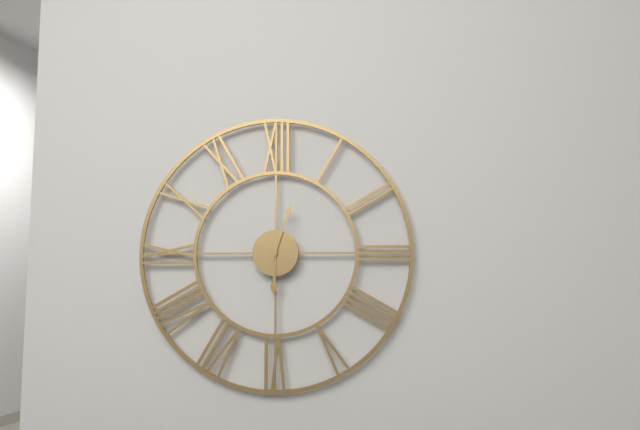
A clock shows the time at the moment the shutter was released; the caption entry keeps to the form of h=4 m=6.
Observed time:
h=6 m=3
